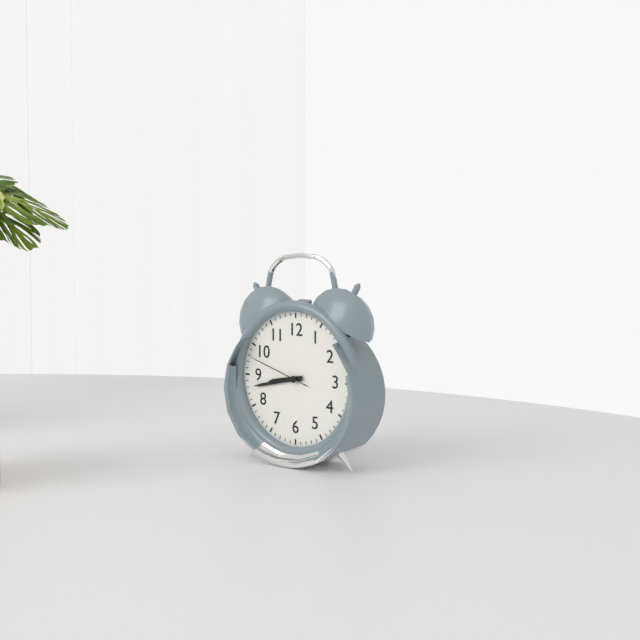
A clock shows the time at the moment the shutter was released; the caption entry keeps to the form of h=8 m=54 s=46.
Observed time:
h=8 m=43 s=48
